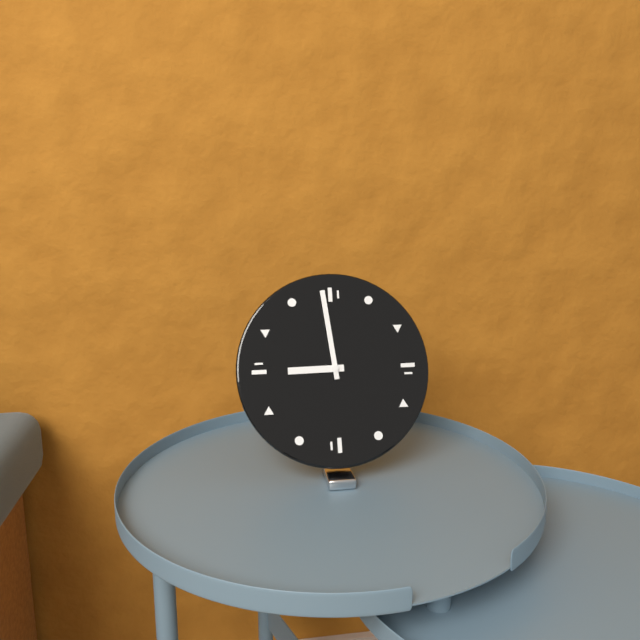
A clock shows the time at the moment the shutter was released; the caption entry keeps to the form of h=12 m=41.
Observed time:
h=8 m=59
